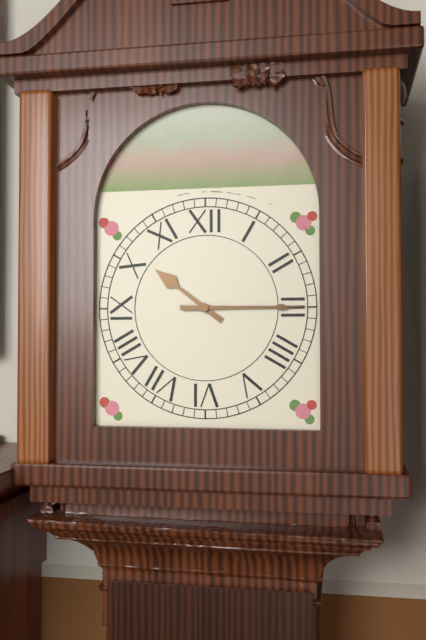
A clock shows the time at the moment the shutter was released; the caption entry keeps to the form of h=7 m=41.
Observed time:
h=10 m=15
